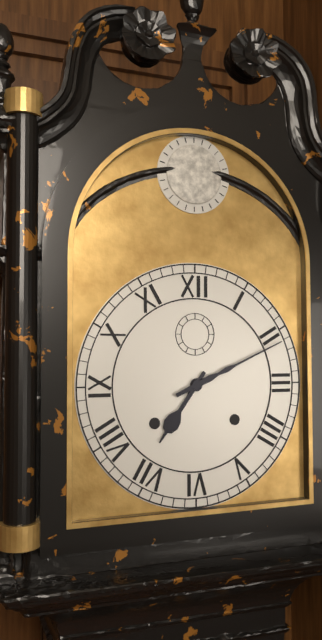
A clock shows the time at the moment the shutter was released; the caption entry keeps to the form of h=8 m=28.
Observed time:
h=7 m=11
